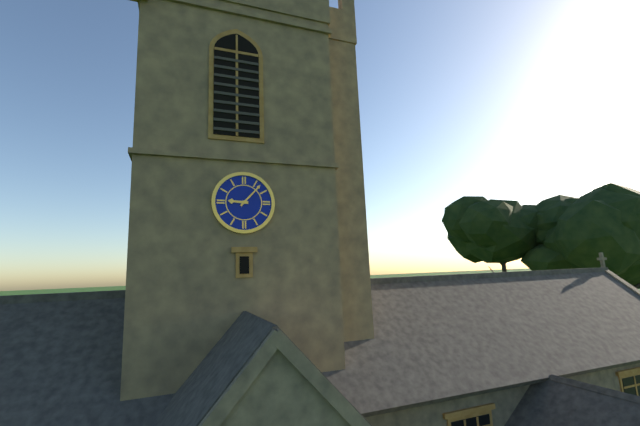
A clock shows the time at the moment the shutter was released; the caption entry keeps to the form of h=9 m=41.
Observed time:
h=9 m=7
